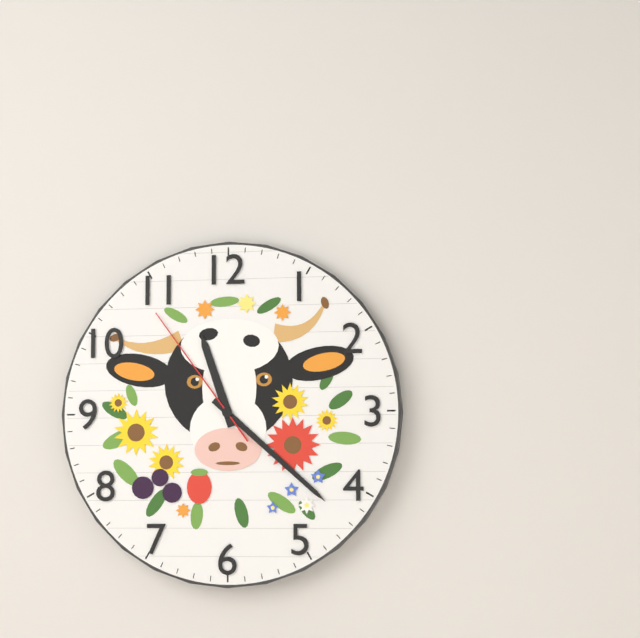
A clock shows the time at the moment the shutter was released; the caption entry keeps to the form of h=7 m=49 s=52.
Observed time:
h=11 m=22 s=54
